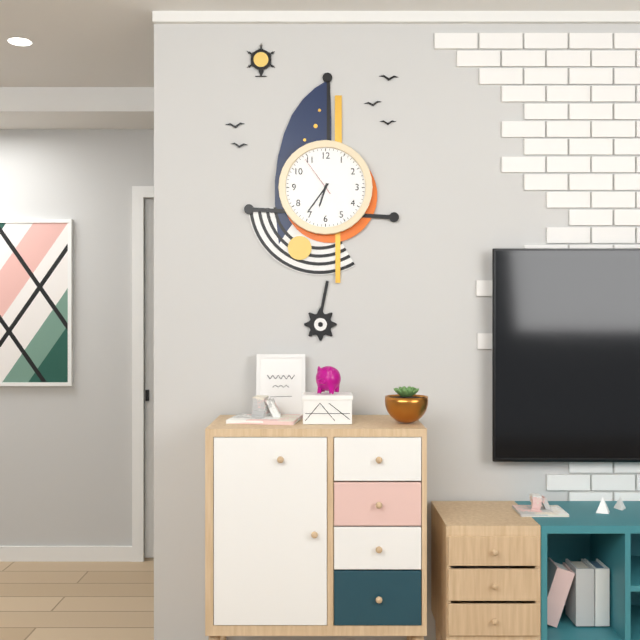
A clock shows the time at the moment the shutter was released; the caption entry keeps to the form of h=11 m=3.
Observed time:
h=6 m=36
